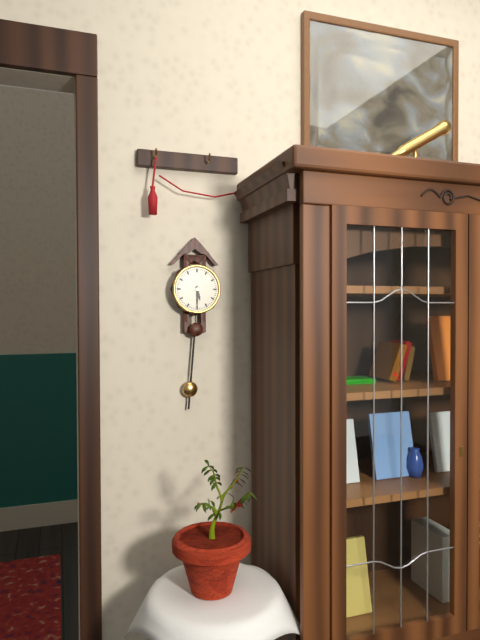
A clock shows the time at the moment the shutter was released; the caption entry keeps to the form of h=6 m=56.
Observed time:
h=5 m=30
